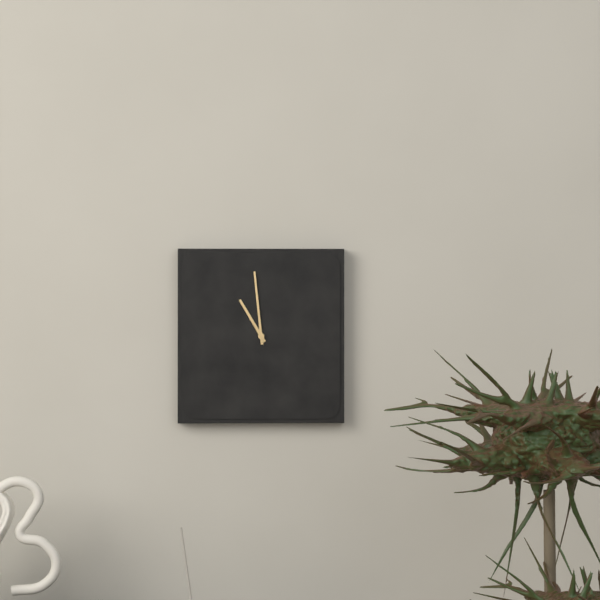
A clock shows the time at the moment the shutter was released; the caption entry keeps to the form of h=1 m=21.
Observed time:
h=10 m=59
